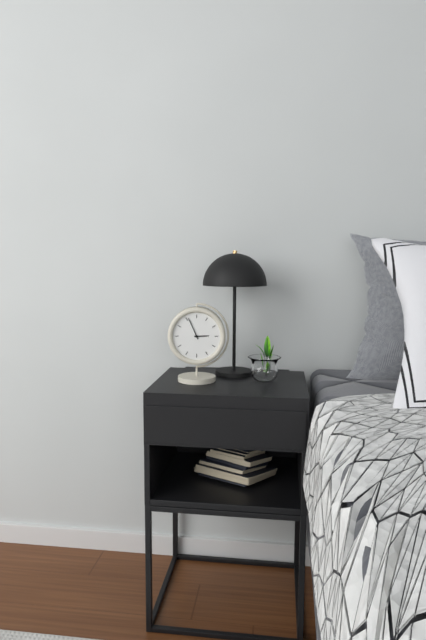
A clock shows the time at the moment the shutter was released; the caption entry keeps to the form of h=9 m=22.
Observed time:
h=2 m=56
